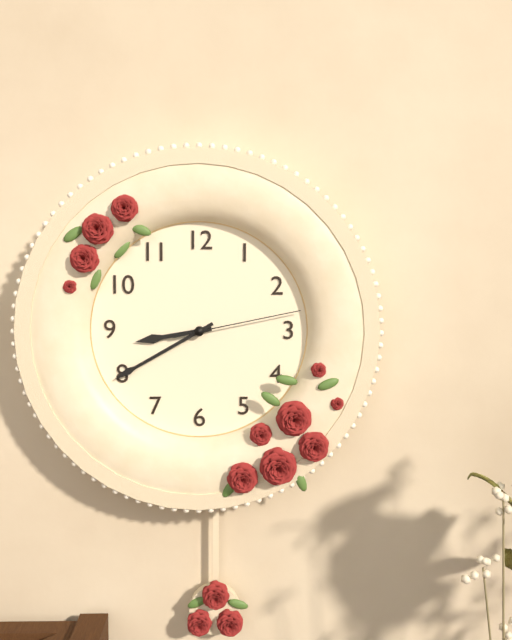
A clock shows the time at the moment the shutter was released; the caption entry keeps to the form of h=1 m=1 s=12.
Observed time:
h=8 m=40 s=13
